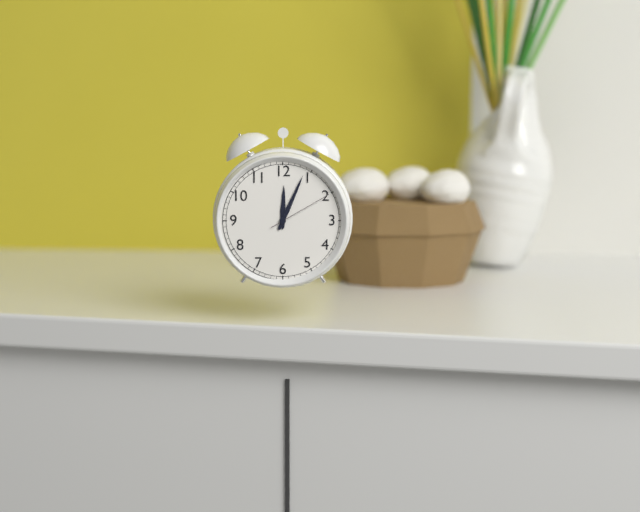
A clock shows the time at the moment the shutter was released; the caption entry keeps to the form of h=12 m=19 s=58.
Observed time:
h=12 m=4 s=10
